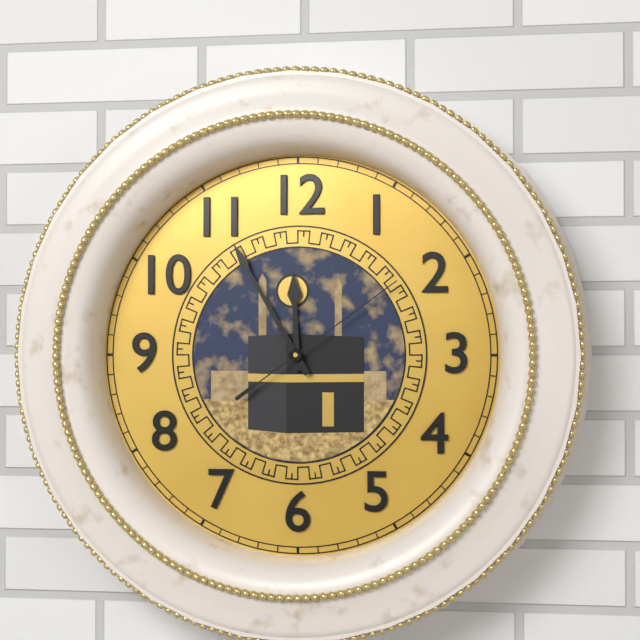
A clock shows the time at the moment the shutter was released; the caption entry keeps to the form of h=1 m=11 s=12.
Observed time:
h=11 m=55 s=9
